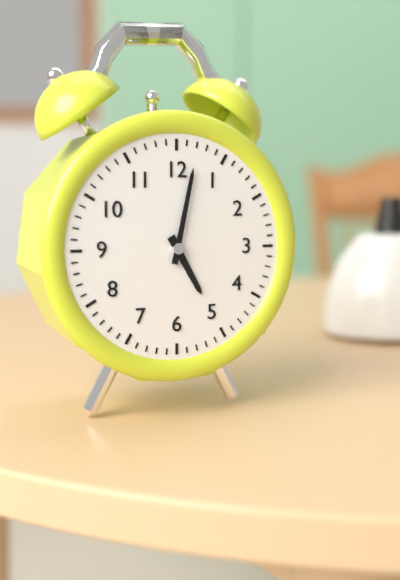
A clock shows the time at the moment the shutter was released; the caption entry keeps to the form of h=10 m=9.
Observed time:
h=5 m=2
